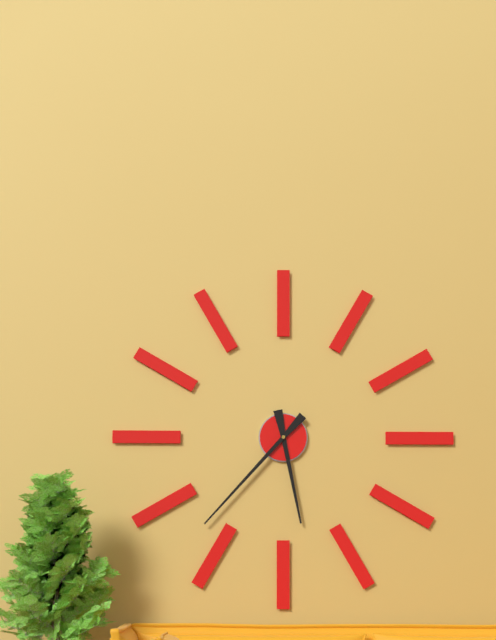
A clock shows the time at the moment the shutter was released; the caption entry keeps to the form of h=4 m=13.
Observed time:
h=5 m=37
